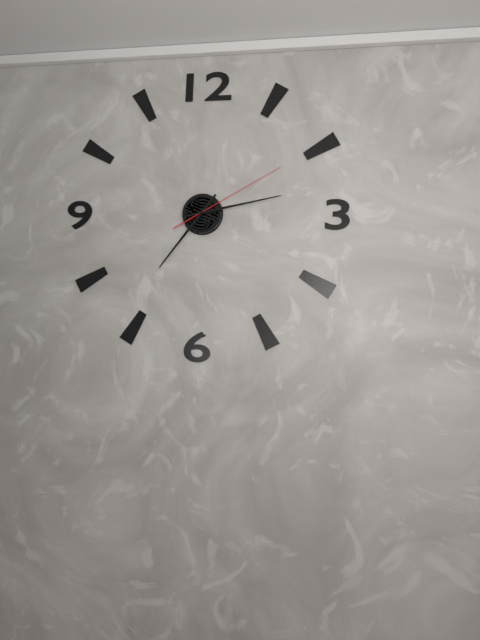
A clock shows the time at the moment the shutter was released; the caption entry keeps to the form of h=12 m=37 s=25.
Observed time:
h=7 m=13 s=10
